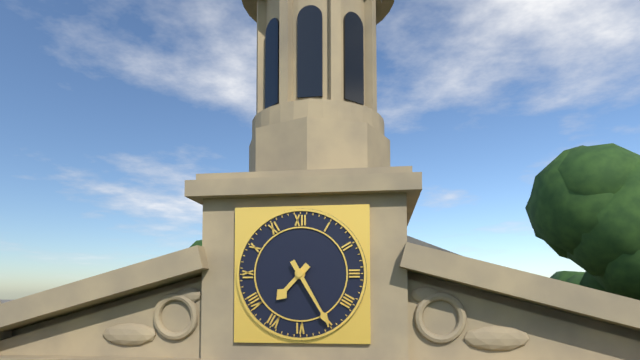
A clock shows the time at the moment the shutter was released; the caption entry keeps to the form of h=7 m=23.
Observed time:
h=7 m=25
